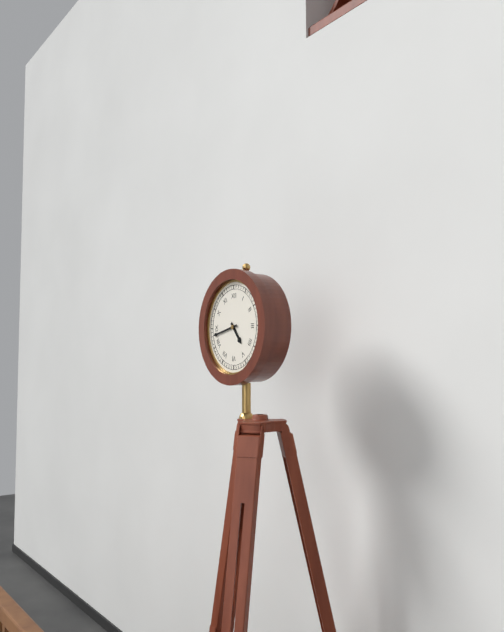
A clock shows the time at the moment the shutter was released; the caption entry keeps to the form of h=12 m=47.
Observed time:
h=4 m=43
